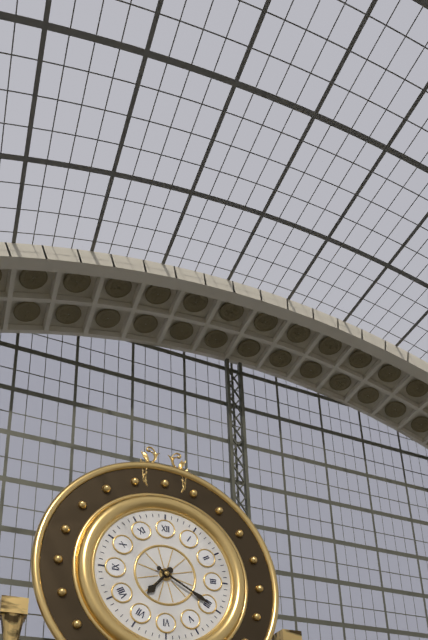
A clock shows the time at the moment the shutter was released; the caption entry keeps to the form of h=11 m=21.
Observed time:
h=7 m=20
